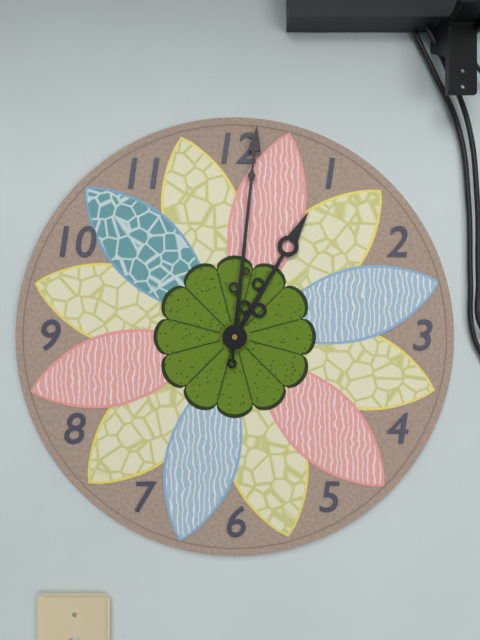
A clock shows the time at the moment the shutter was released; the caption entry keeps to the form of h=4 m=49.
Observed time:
h=1 m=1
